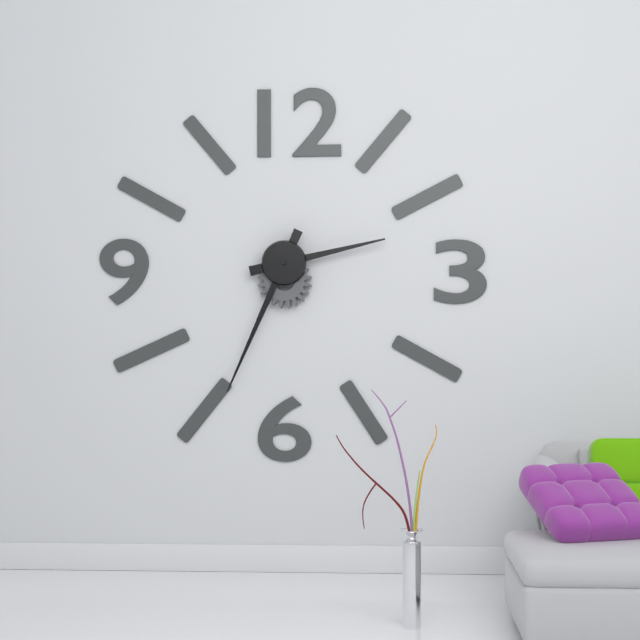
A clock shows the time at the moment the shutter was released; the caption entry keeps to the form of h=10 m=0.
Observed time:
h=2 m=34
